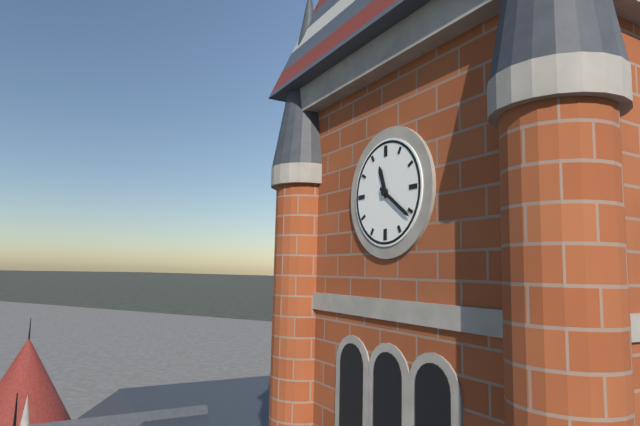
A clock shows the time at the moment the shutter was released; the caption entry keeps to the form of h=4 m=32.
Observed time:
h=11 m=21
